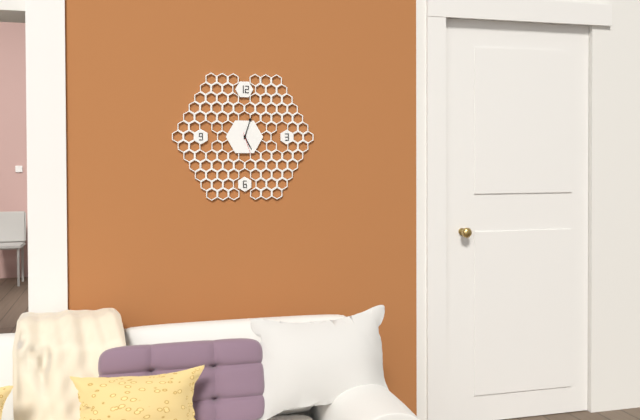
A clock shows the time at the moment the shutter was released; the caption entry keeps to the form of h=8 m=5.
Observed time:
h=5 m=3
